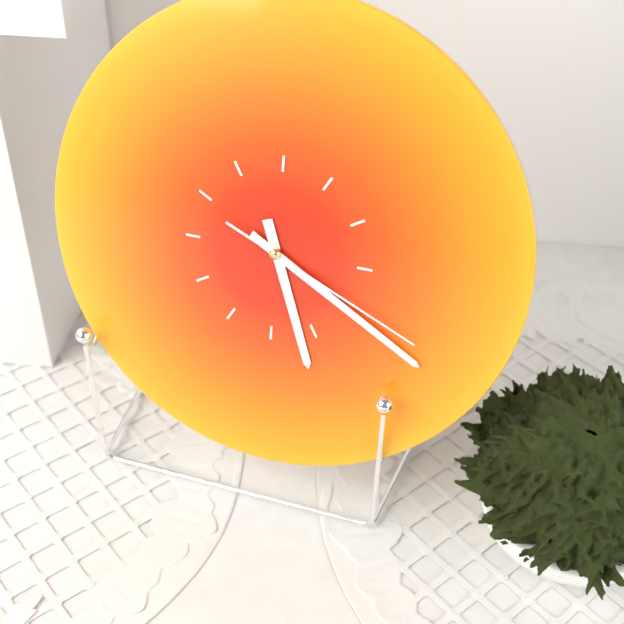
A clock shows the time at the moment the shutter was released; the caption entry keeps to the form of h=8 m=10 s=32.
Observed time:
h=5 m=20 s=19
